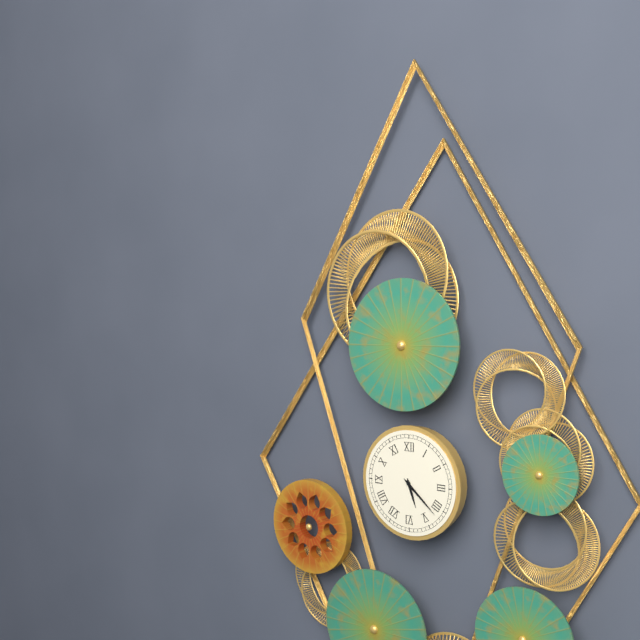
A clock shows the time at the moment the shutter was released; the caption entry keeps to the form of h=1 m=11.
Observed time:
h=5 m=22
